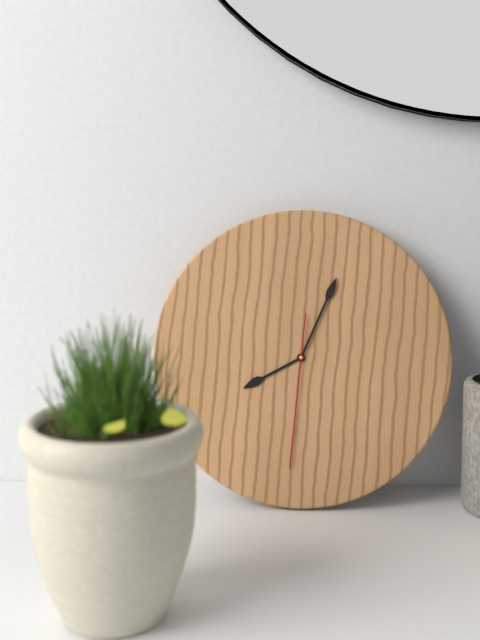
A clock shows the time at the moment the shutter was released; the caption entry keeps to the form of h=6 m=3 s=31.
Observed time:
h=8 m=4 s=31
